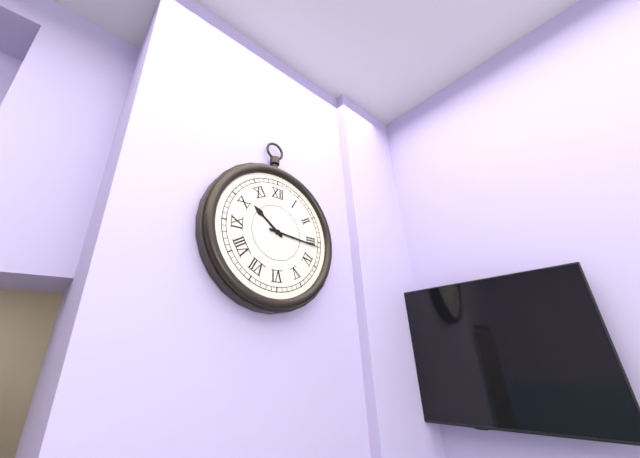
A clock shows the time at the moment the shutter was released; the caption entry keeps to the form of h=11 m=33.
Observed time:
h=10 m=16
